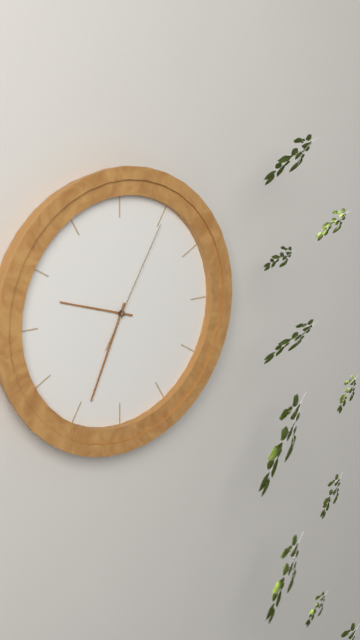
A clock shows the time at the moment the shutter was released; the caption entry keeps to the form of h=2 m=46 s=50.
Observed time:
h=9 m=34 s=5
